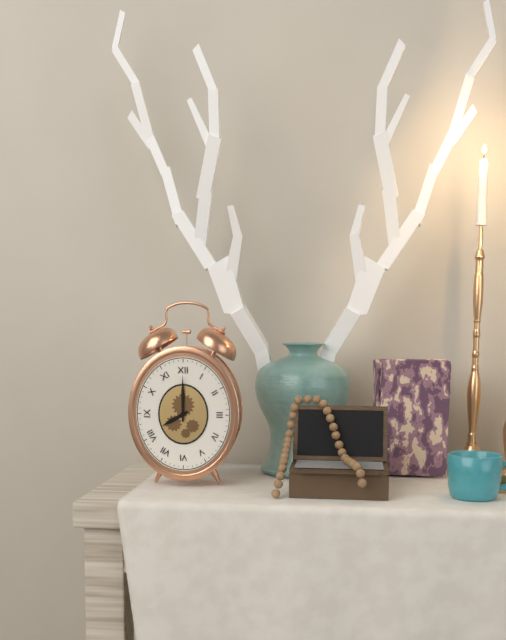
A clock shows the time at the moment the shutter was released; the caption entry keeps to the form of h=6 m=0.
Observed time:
h=8 m=0
